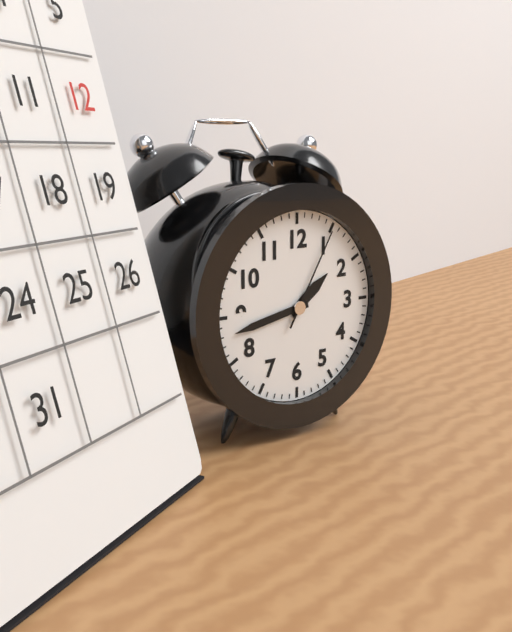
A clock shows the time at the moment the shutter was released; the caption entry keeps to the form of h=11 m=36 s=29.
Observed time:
h=1 m=43 s=5
